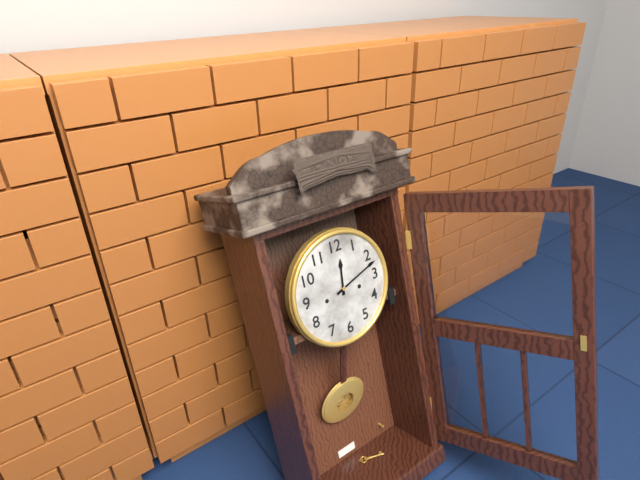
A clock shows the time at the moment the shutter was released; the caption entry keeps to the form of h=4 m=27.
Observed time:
h=12 m=12
